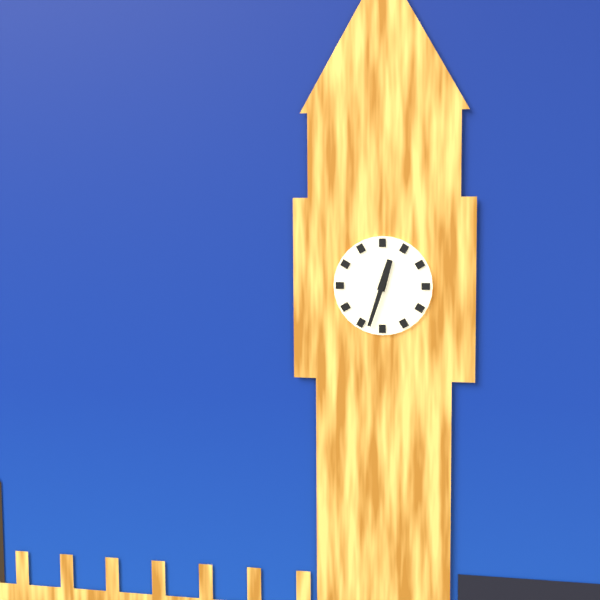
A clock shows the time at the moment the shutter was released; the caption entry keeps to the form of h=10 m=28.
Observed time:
h=12 m=33
